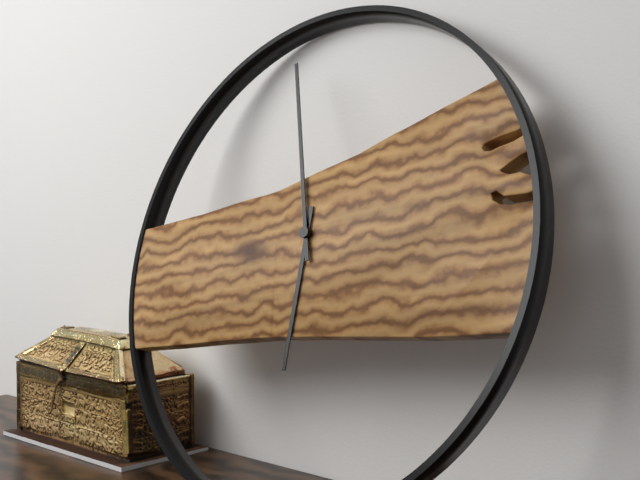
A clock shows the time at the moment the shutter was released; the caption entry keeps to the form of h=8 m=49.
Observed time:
h=5 m=57
